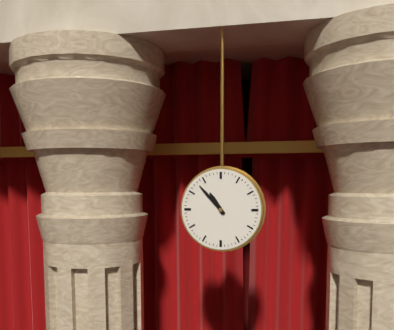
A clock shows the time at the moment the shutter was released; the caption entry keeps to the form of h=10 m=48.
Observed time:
h=10 m=53
